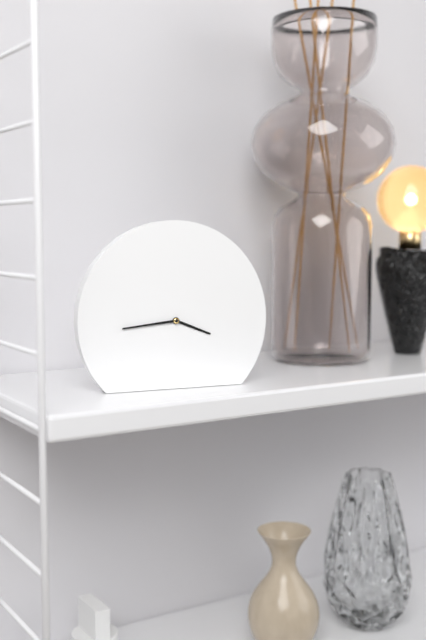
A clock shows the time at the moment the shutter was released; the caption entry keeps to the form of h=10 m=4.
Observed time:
h=3 m=44
